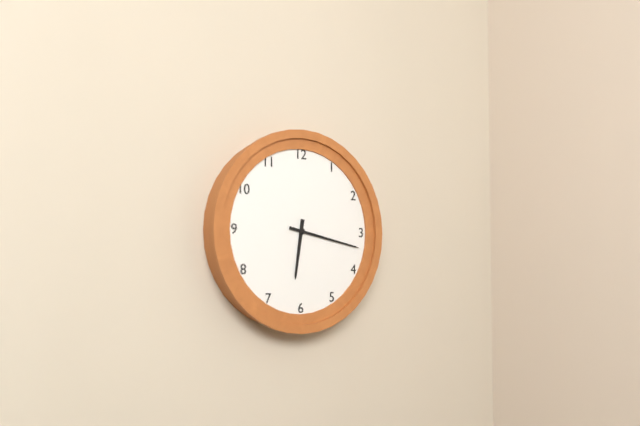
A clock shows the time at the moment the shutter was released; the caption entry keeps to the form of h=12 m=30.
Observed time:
h=6 m=17
